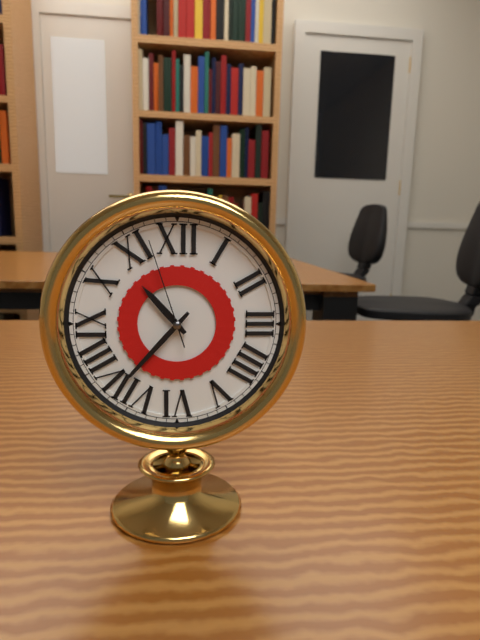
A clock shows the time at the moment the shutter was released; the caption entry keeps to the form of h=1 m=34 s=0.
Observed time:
h=10 m=37 s=57
